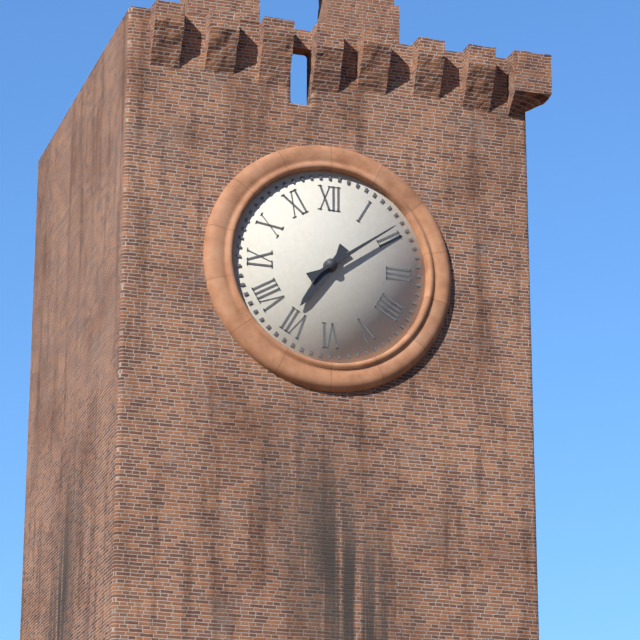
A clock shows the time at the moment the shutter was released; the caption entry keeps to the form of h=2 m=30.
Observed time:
h=7 m=9
